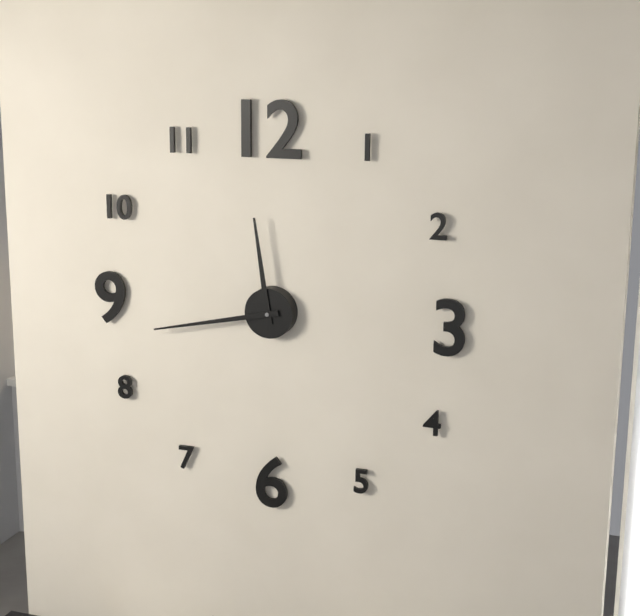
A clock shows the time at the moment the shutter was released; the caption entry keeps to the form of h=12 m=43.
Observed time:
h=11 m=43
